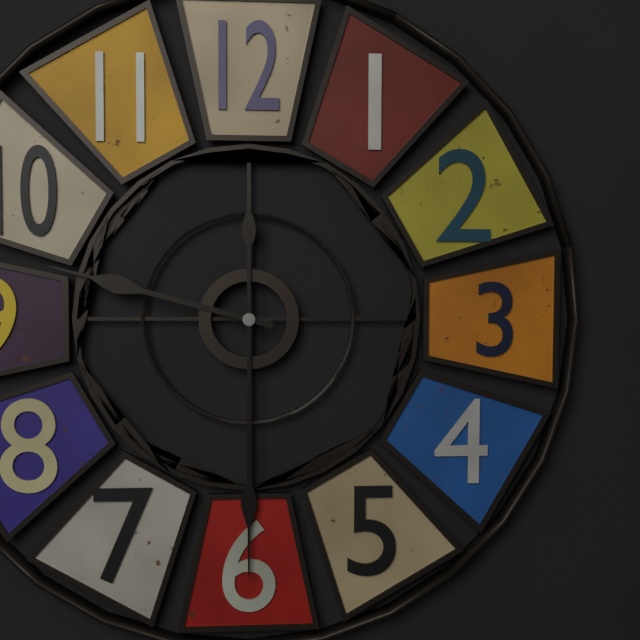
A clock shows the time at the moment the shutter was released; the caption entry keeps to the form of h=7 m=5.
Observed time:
h=9 m=30
